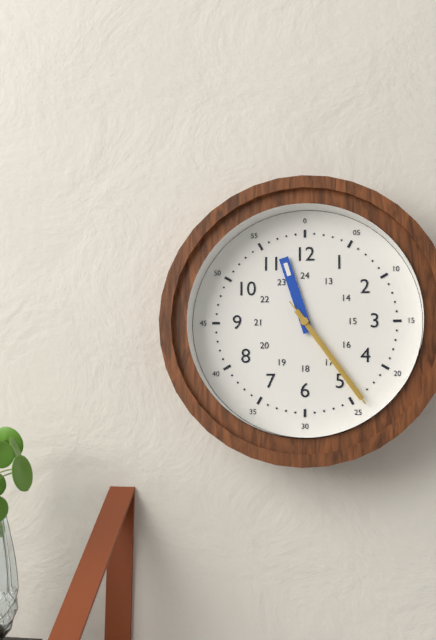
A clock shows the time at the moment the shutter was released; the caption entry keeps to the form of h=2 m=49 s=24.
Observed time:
h=11 m=24 s=24
